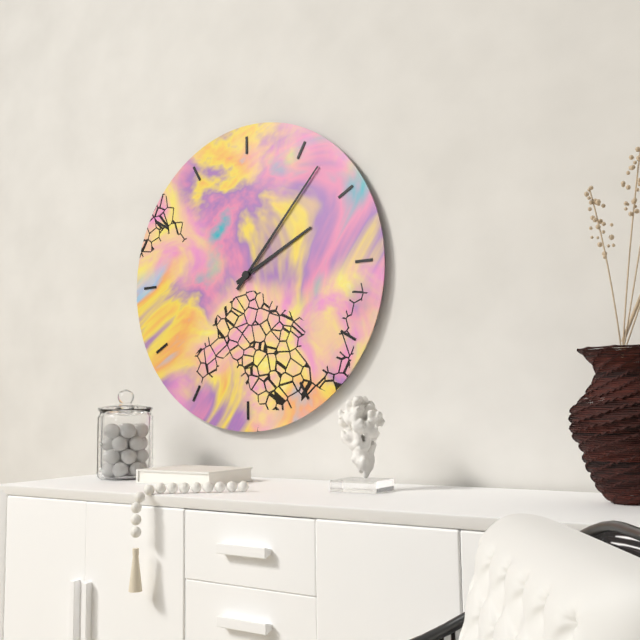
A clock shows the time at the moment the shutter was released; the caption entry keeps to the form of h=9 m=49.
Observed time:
h=2 m=7
